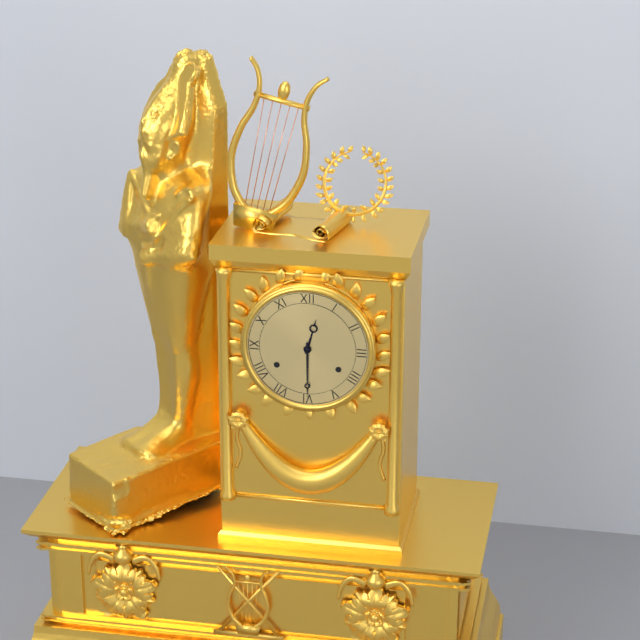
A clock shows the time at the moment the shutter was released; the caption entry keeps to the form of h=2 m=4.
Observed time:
h=12 m=30
